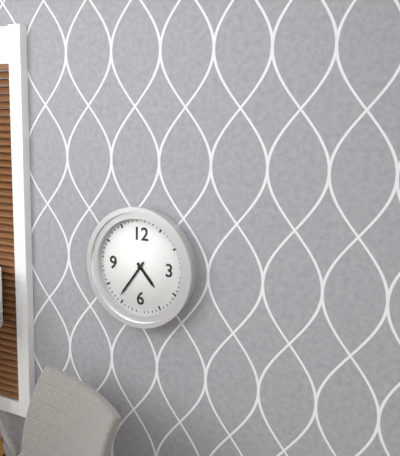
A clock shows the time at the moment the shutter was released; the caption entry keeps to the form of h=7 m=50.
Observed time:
h=4 m=36
